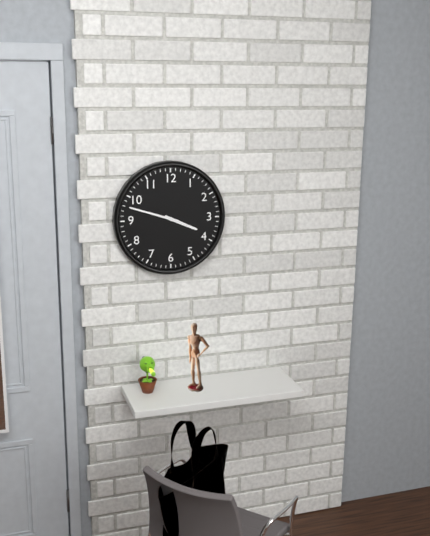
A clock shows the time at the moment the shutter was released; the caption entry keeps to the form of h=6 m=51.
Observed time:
h=3 m=48
